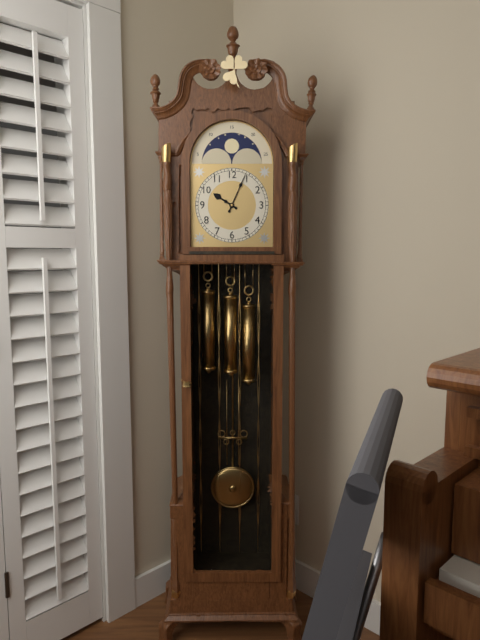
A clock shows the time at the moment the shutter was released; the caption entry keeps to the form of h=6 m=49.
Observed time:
h=10 m=4
